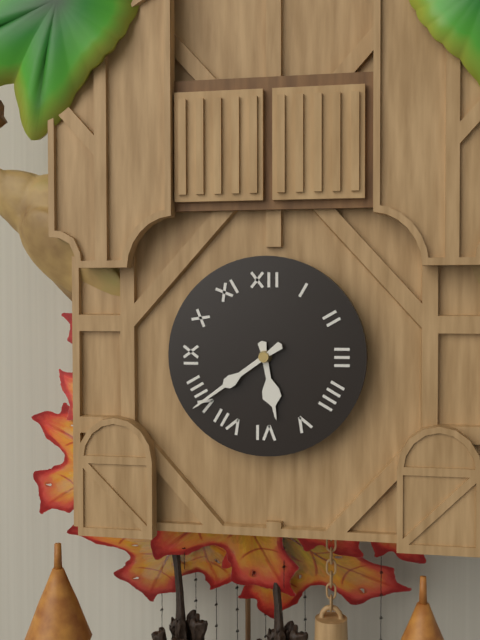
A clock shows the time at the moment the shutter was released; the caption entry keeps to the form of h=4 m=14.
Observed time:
h=5 m=39
